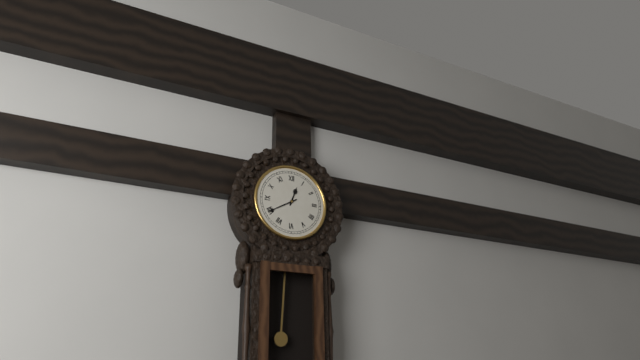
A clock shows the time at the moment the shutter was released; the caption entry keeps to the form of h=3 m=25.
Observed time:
h=12 m=40
